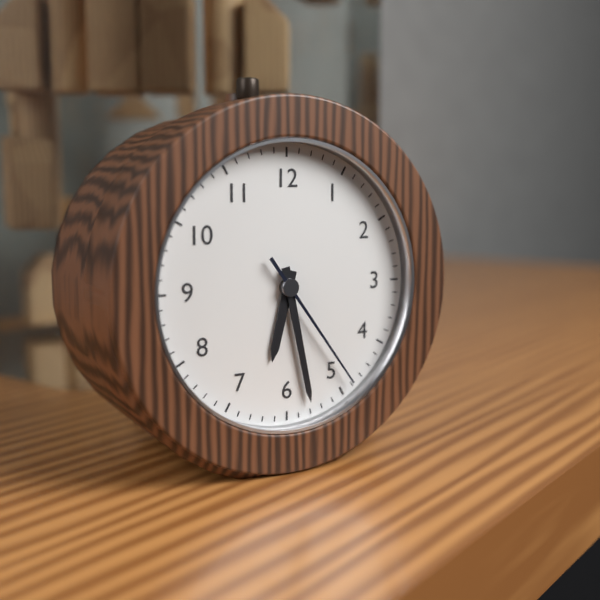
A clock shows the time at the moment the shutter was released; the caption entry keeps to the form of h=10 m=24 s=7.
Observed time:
h=6 m=28 s=24
